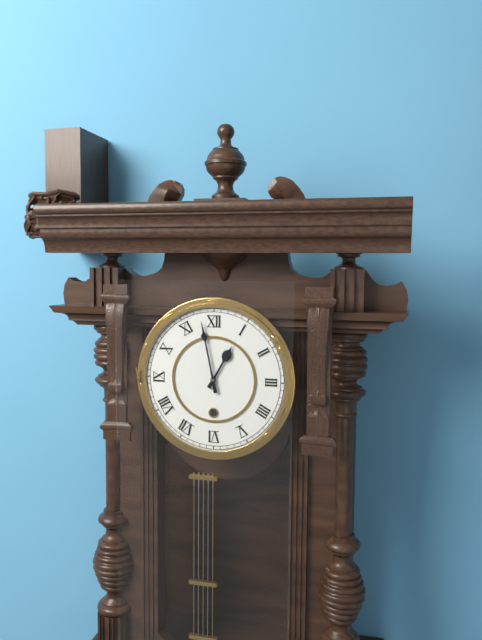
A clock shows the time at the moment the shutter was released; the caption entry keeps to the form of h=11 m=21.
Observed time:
h=12 m=58
